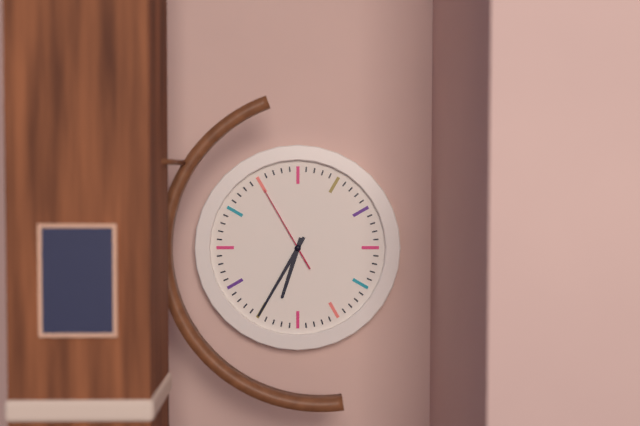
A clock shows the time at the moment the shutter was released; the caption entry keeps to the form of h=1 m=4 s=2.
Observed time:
h=6 m=35 s=55
